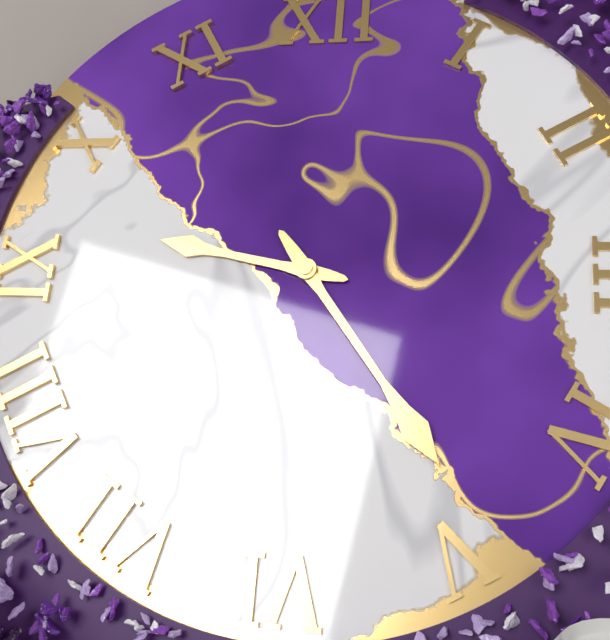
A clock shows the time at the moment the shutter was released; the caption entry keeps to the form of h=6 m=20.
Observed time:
h=9 m=24
